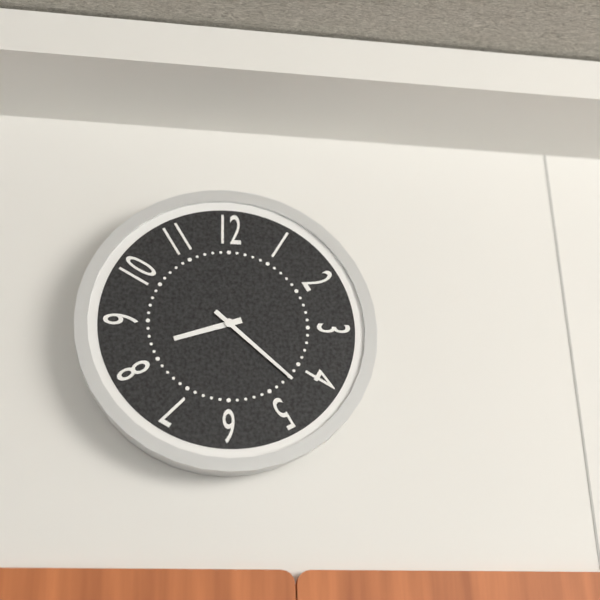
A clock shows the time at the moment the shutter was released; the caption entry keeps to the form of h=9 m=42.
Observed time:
h=8 m=22
